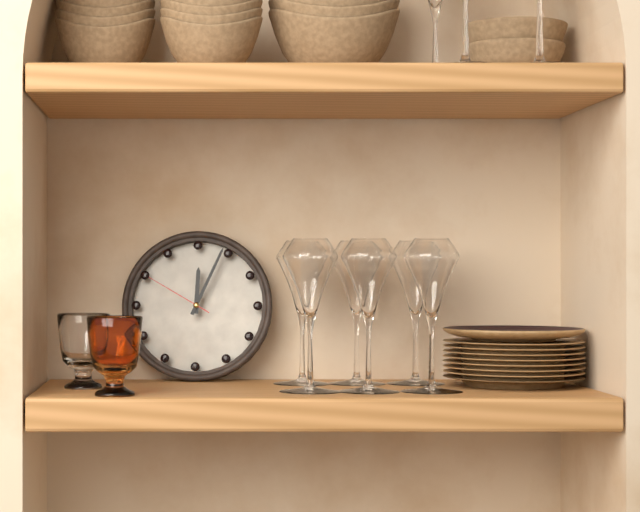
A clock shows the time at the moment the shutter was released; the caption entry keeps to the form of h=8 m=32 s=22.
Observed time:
h=12 m=4 s=50
